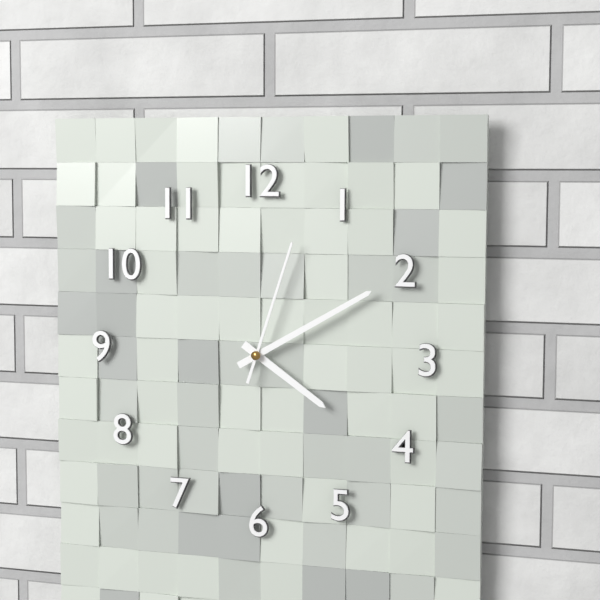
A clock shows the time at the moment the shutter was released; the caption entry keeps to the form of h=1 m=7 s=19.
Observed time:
h=4 m=10 s=3
